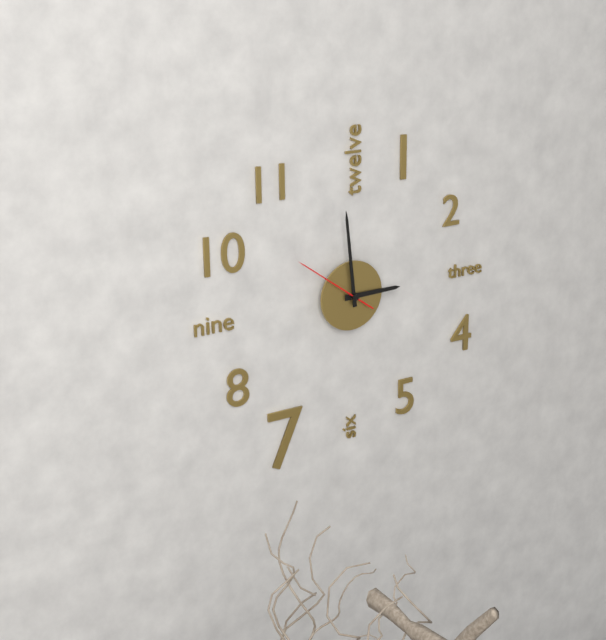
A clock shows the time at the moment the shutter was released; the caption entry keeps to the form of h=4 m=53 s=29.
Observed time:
h=2 m=59 s=51
